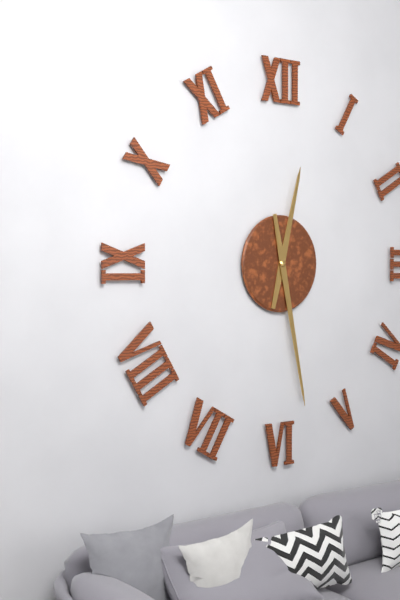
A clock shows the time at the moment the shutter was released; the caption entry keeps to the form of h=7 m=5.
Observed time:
h=12 m=28
